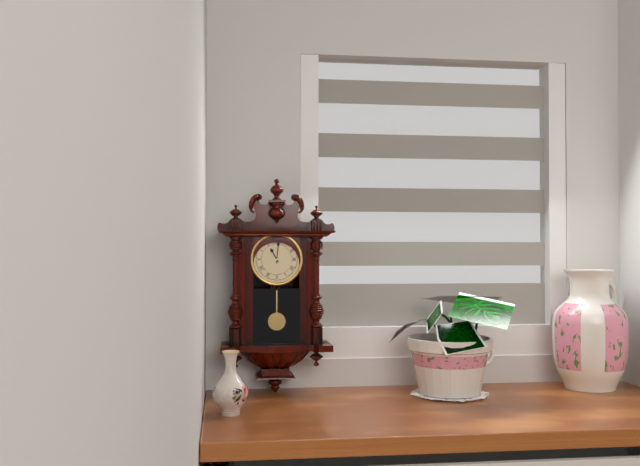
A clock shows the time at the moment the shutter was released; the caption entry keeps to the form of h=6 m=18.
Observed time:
h=11 m=1
